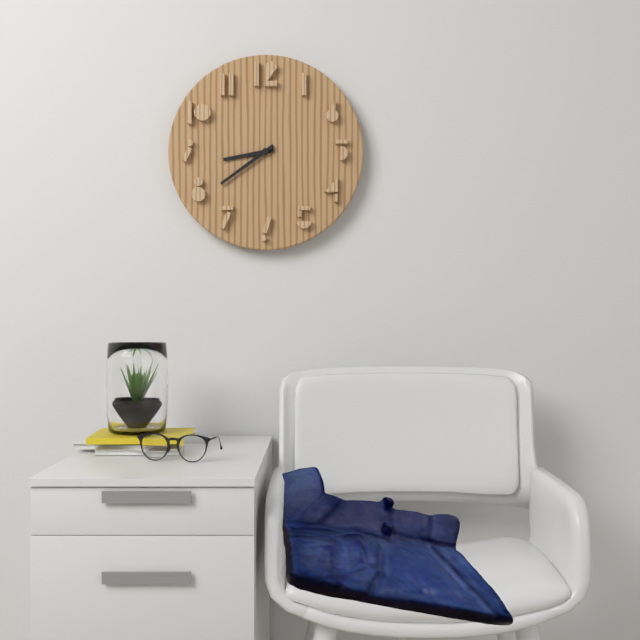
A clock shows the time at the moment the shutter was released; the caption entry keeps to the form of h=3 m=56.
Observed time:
h=8 m=39
